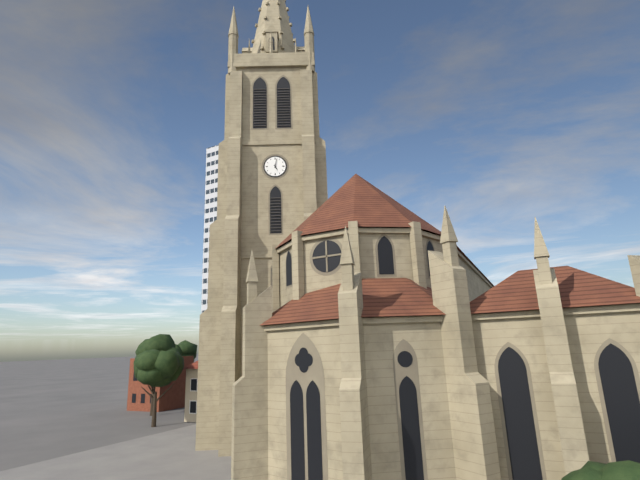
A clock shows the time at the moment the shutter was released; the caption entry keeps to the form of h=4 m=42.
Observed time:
h=5 m=2
